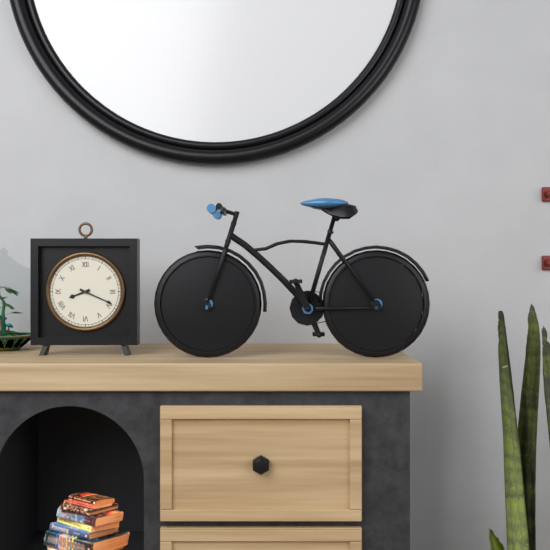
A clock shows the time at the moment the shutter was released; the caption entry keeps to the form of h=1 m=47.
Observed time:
h=8 m=19
